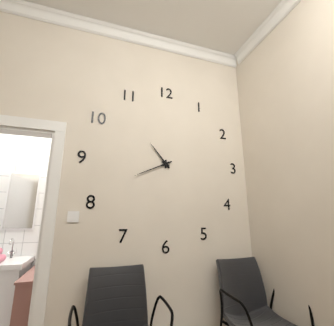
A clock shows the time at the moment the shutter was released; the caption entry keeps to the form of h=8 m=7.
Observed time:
h=10 m=41
